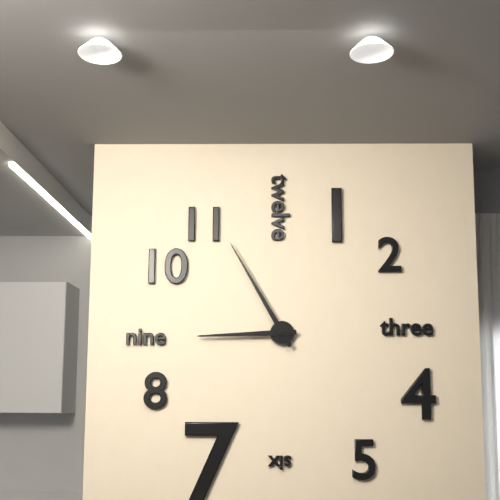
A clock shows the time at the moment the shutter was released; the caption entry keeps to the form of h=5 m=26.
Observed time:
h=8 m=55
